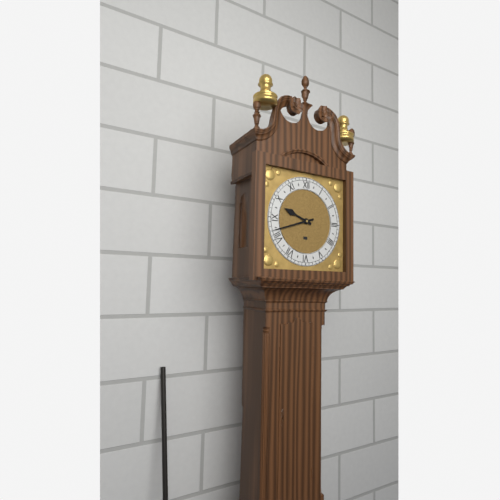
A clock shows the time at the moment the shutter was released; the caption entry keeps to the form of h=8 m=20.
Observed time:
h=9 m=42
